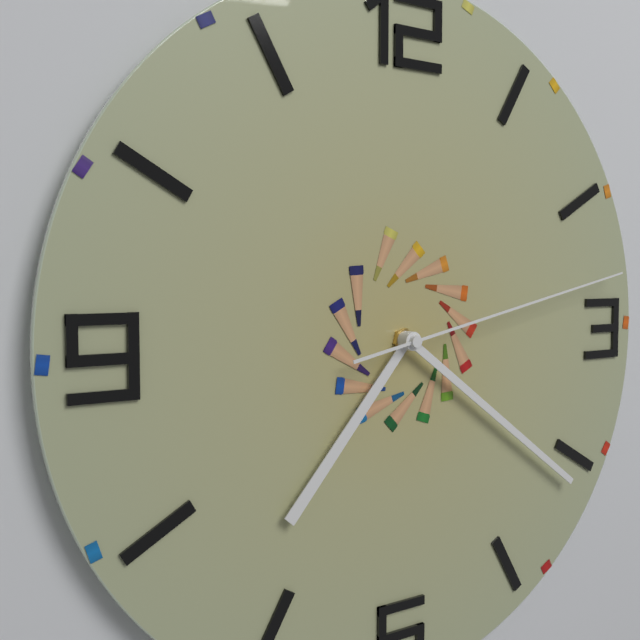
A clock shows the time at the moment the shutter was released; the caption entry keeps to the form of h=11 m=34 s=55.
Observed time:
h=7 m=21 s=13
